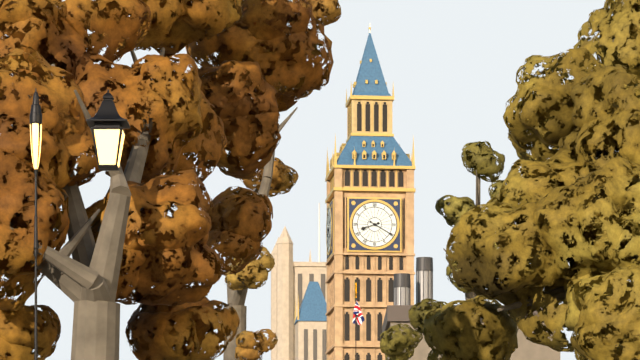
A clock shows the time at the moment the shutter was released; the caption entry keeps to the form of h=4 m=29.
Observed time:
h=8 m=20
